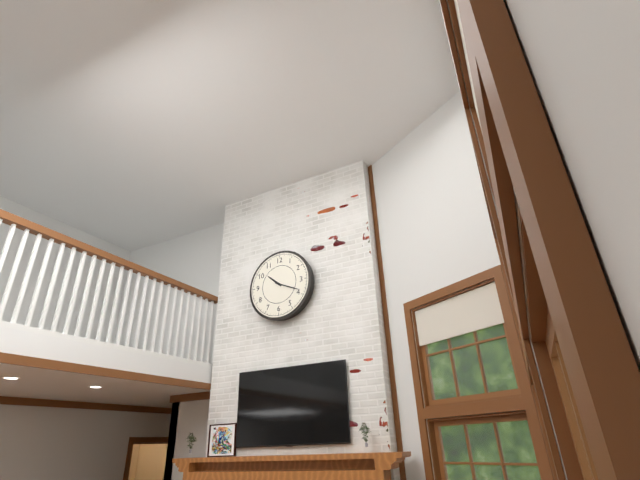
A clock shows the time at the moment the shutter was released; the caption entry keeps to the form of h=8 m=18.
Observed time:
h=10 m=19
